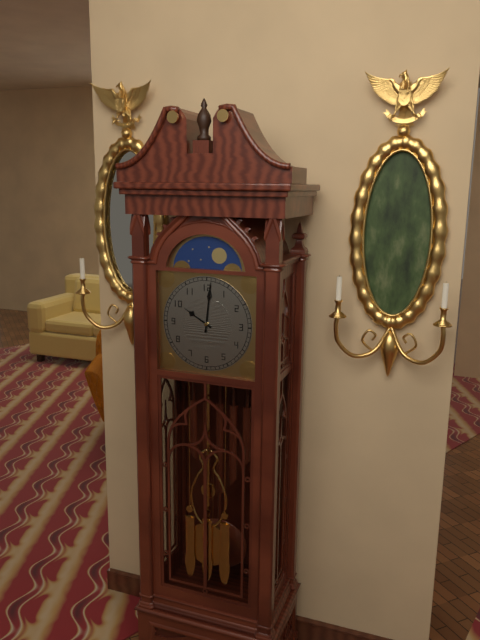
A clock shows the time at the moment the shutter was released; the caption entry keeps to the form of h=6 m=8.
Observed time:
h=10 m=1
